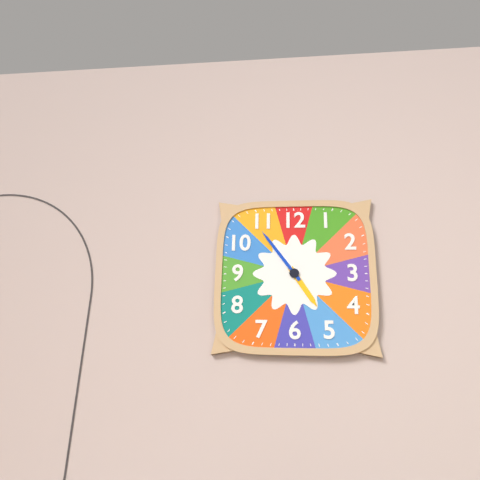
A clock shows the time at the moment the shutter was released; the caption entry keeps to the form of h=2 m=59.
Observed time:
h=4 m=54
